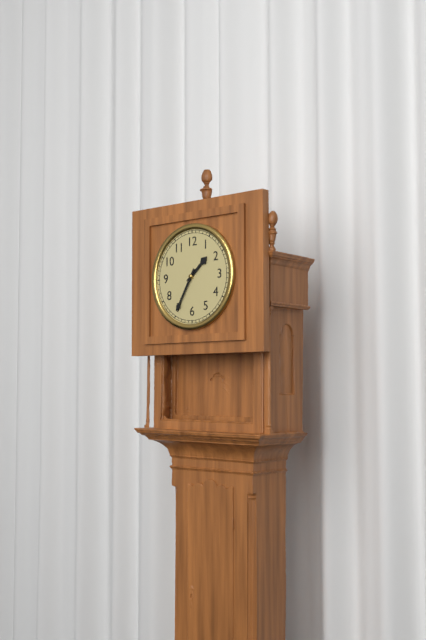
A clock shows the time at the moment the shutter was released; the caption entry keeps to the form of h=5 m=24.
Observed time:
h=1 m=35
